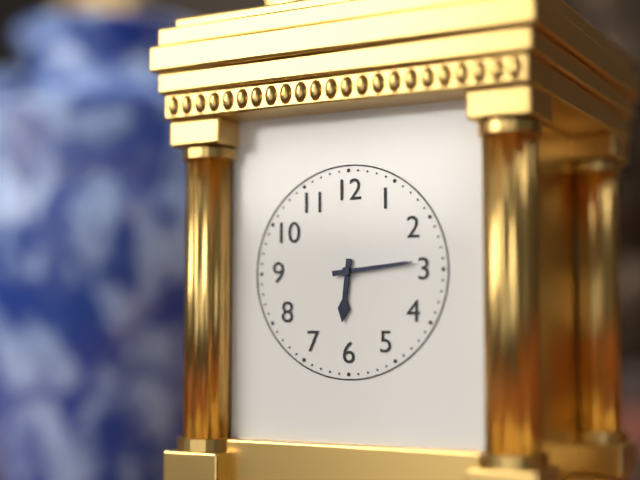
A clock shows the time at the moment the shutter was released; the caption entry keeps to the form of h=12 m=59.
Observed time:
h=6 m=14
